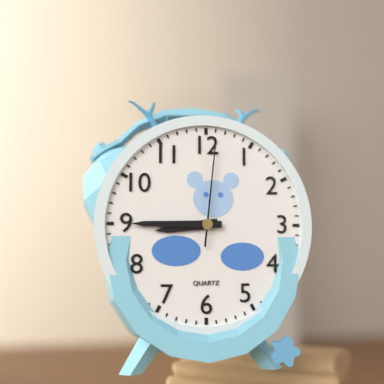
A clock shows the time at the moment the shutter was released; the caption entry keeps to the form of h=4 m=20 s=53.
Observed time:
h=8 m=45 s=1
